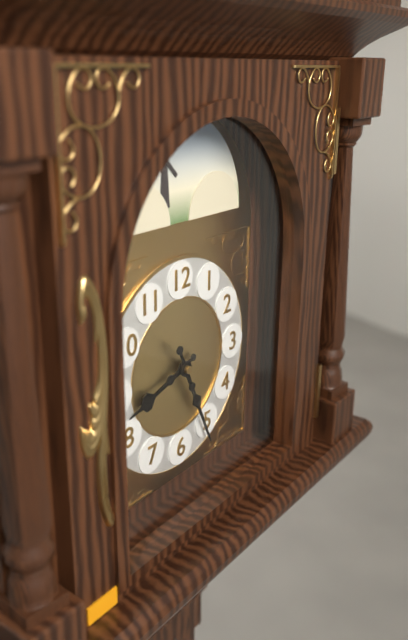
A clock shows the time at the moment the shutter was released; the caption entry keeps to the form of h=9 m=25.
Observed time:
h=8 m=26
